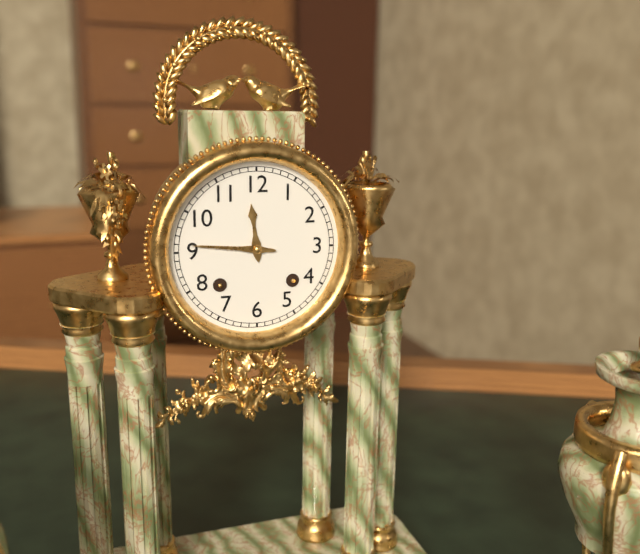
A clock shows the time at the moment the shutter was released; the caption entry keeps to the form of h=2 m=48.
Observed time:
h=11 m=46
